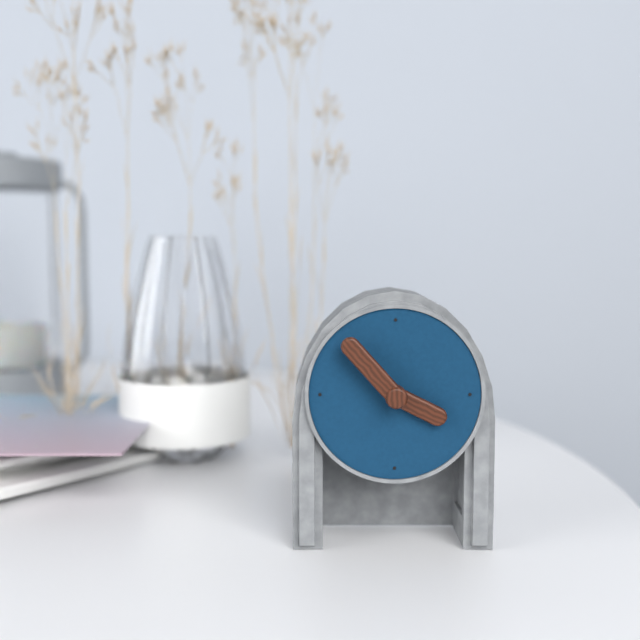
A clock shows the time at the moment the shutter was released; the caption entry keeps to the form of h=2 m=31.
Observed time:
h=3 m=53
